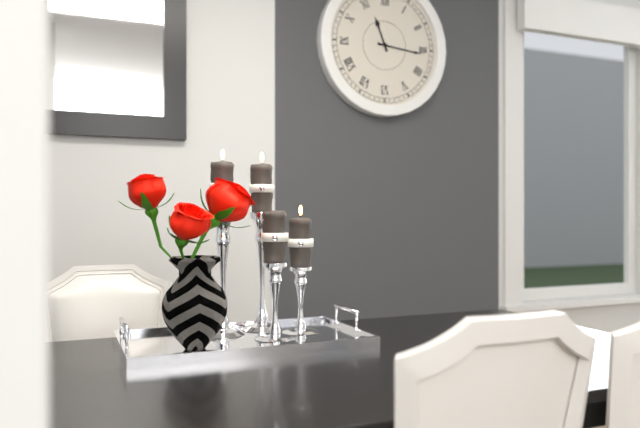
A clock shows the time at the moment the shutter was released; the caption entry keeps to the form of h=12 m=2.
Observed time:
h=11 m=16
